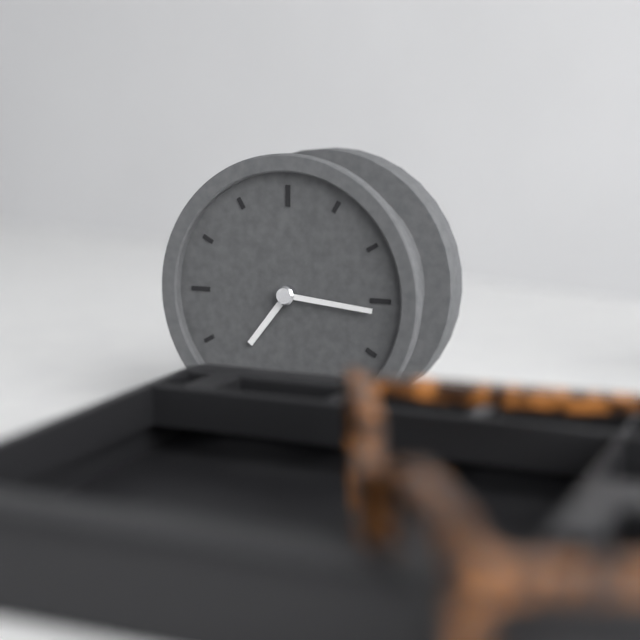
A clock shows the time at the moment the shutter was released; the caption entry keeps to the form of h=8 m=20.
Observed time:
h=7 m=16
